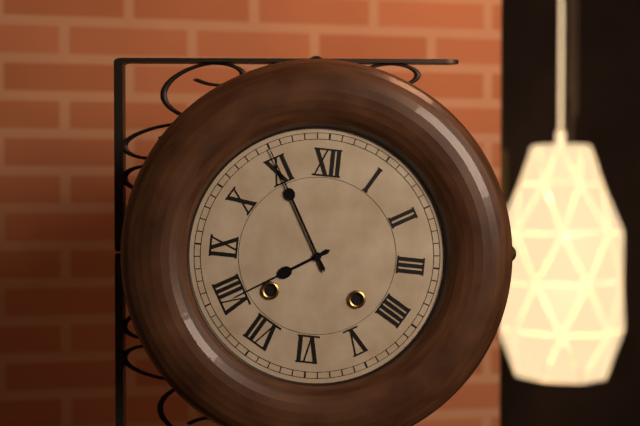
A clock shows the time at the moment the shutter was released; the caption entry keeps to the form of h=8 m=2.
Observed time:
h=7 m=55
